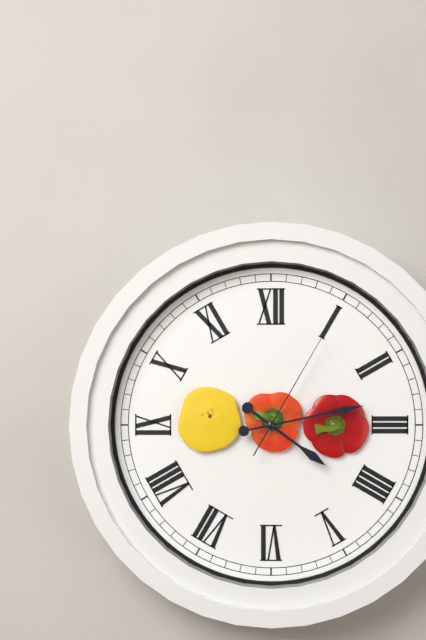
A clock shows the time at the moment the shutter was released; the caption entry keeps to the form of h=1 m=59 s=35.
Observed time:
h=4 m=13 s=5
